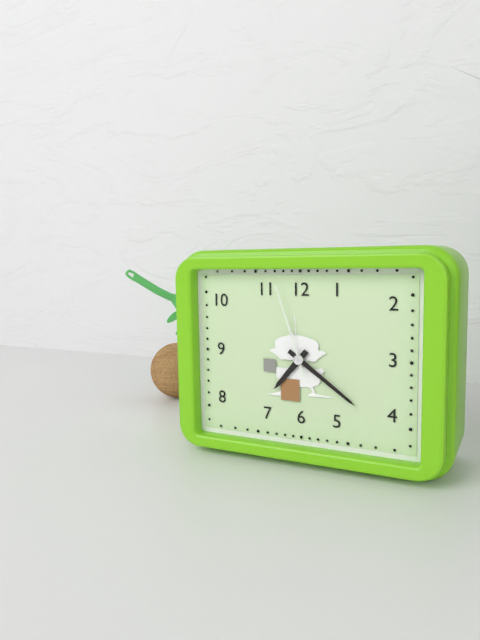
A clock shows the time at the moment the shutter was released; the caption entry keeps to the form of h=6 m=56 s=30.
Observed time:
h=7 m=21 s=57
